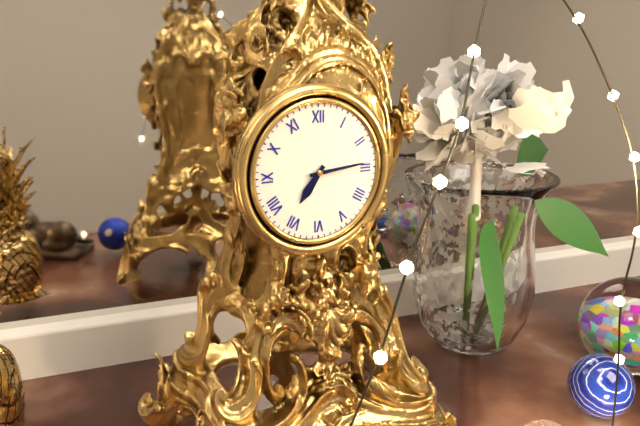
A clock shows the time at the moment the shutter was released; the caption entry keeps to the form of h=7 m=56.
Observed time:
h=7 m=14
